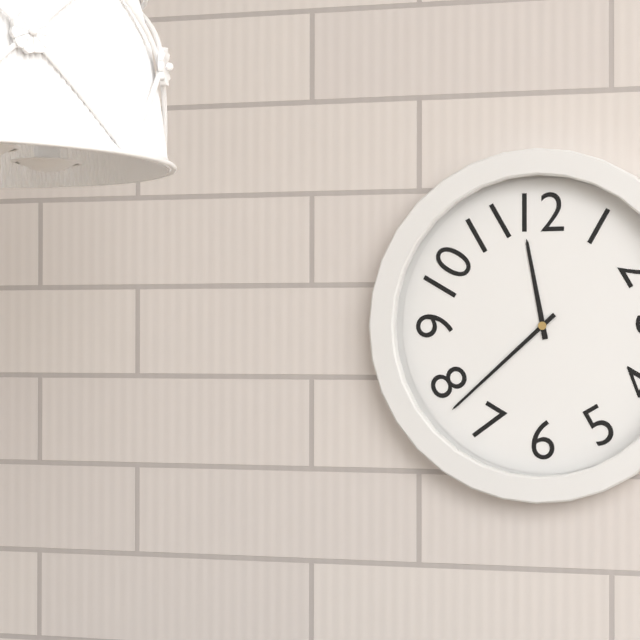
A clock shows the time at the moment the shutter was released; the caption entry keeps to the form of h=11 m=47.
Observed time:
h=11 m=38
